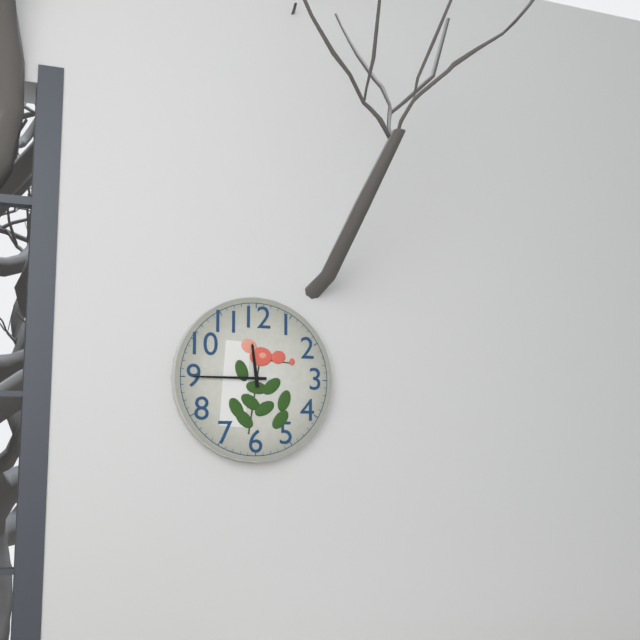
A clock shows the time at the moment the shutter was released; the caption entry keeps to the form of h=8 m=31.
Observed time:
h=11 m=45
